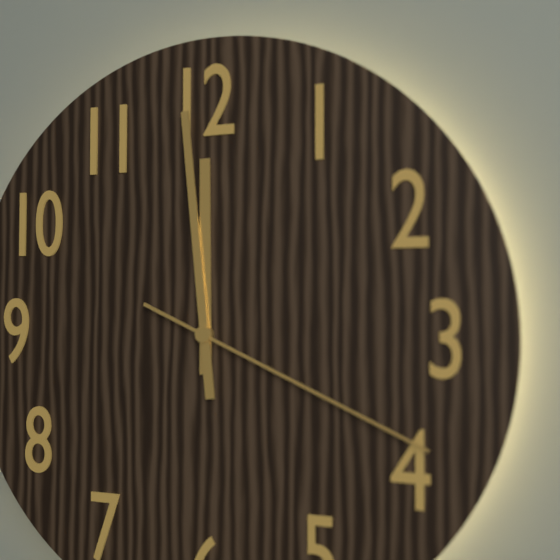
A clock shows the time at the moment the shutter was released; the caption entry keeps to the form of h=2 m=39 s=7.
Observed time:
h=11 m=59 s=19
